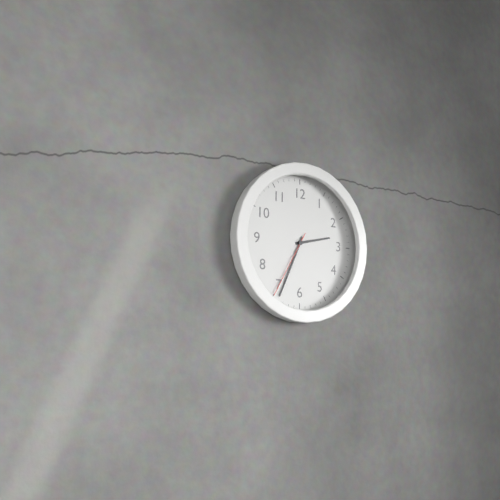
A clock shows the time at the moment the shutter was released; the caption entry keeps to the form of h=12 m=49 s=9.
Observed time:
h=2 m=34 s=35
